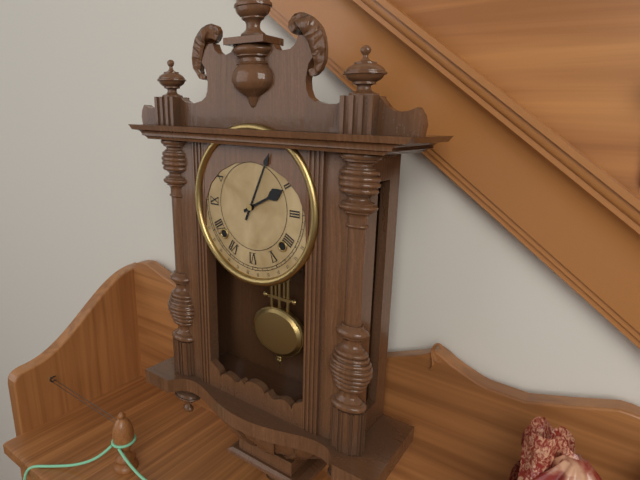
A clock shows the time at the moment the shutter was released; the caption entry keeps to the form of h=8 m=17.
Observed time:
h=2 m=4
